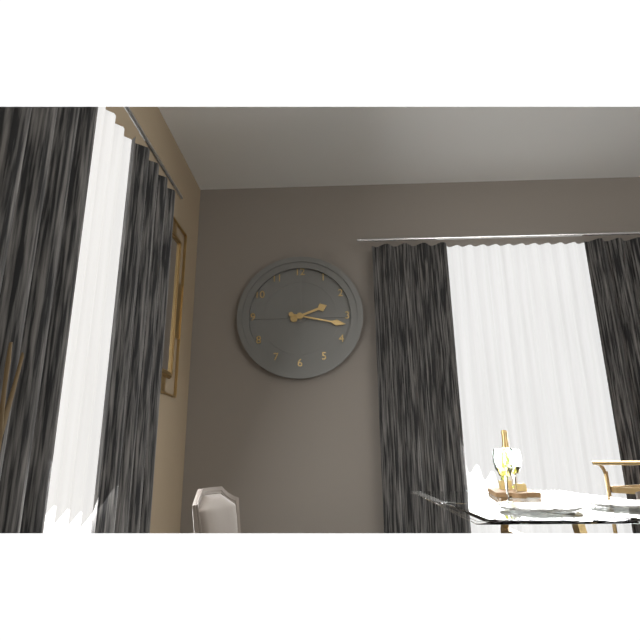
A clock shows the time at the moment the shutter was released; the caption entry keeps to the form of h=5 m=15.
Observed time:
h=2 m=17
